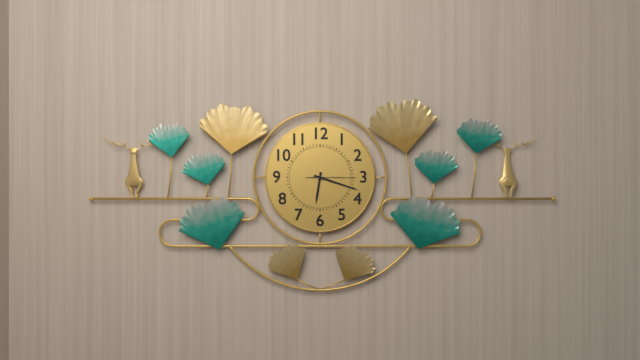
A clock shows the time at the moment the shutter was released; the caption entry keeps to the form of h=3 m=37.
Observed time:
h=6 m=18
